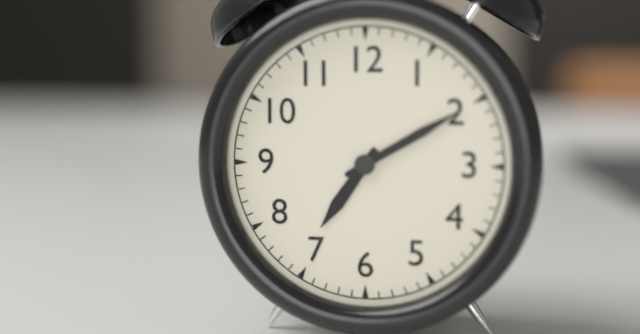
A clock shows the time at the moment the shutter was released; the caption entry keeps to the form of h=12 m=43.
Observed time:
h=7 m=10
